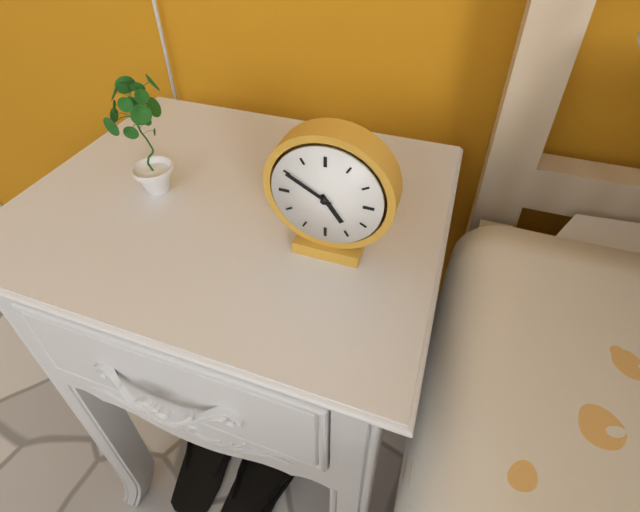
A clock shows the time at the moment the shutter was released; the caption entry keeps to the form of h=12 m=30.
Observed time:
h=4 m=50
